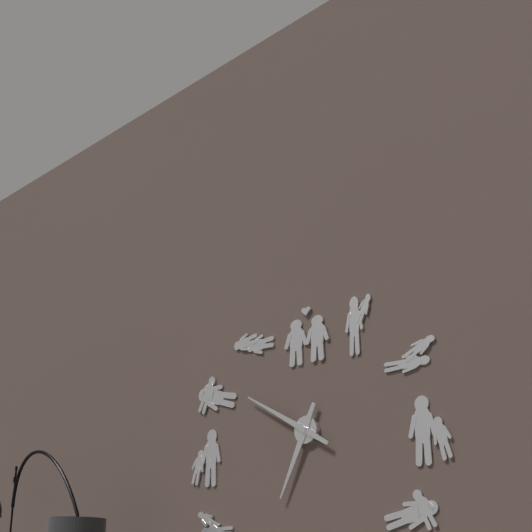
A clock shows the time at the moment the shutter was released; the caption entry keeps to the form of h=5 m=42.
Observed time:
h=6 m=50
